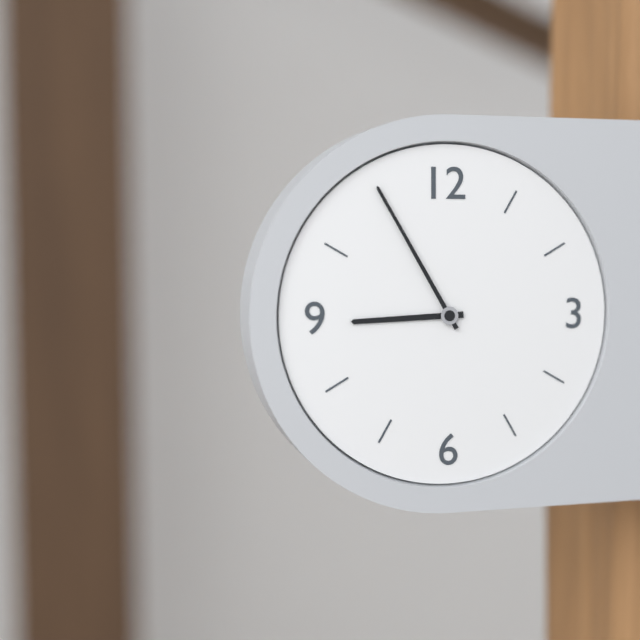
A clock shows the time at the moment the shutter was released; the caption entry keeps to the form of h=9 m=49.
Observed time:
h=8 m=55
